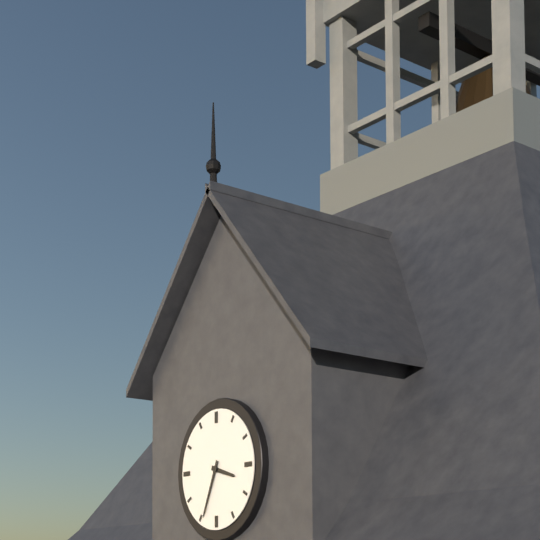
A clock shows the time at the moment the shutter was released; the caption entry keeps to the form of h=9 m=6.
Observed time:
h=3 m=34
